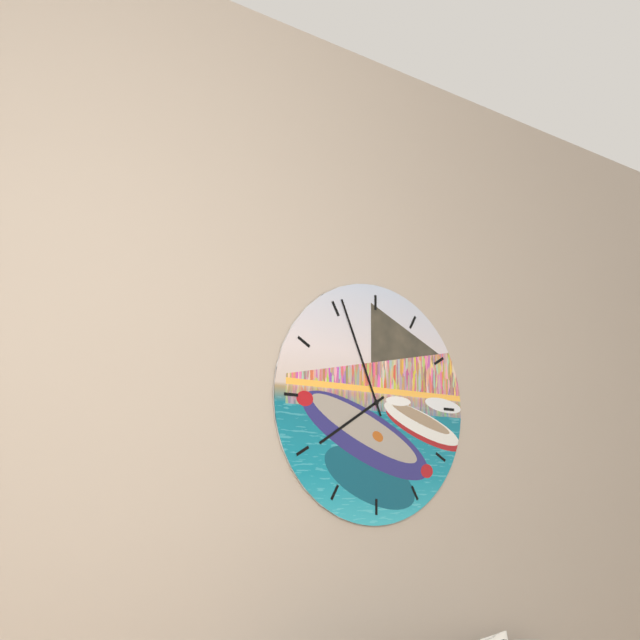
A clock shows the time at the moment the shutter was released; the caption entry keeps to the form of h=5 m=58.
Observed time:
h=7 m=56
